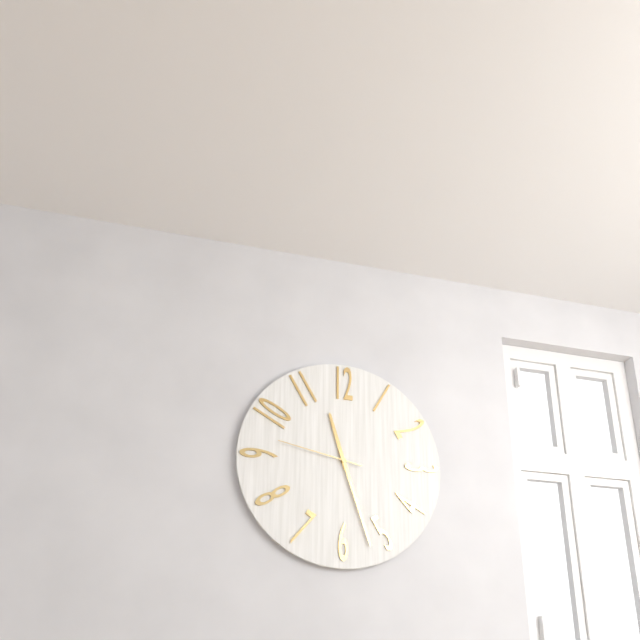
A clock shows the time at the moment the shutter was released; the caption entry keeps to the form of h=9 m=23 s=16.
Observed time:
h=11 m=27 s=47
